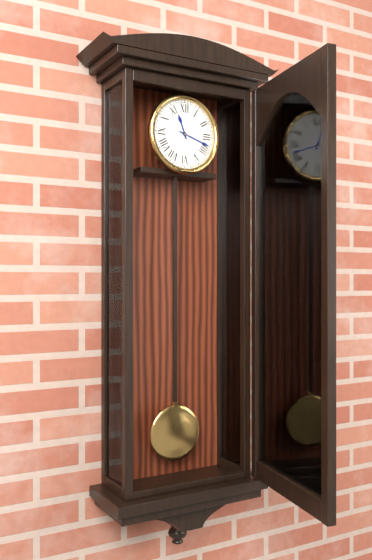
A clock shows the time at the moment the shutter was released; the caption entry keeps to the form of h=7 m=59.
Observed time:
h=11 m=18
